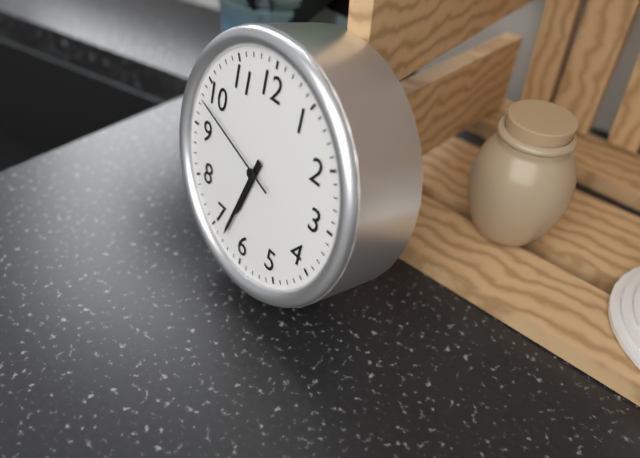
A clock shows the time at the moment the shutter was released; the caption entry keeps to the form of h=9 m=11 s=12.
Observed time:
h=6 m=33 s=48
